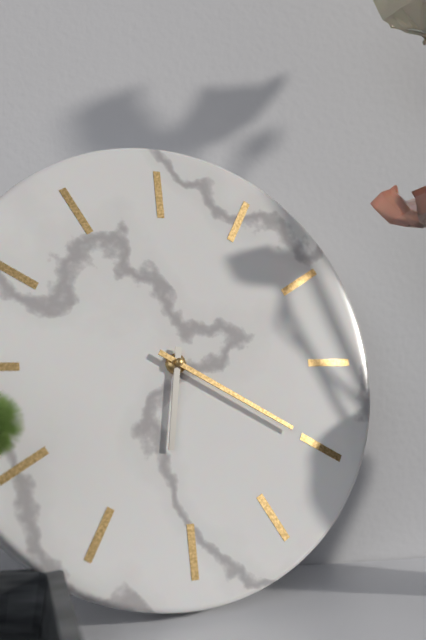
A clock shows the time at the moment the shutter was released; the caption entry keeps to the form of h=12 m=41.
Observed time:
h=6 m=20
